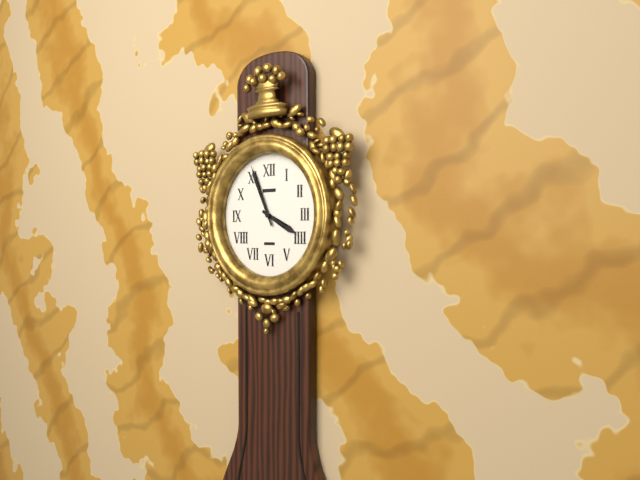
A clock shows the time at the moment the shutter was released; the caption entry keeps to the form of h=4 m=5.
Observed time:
h=3 m=56
